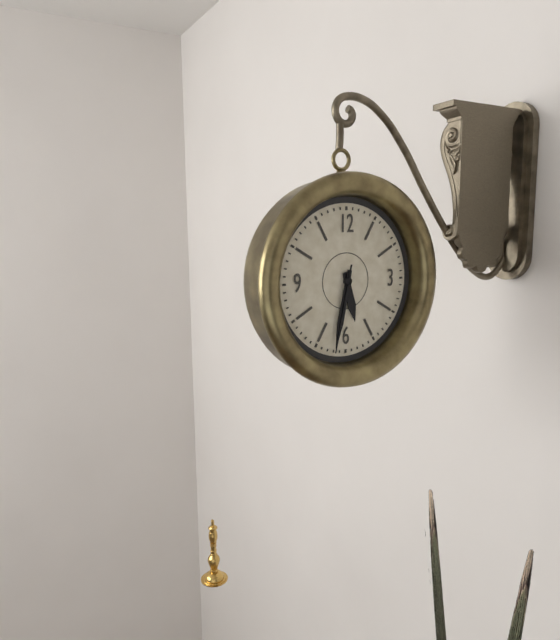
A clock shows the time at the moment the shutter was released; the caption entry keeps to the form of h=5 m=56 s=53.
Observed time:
h=5 m=32 s=32
